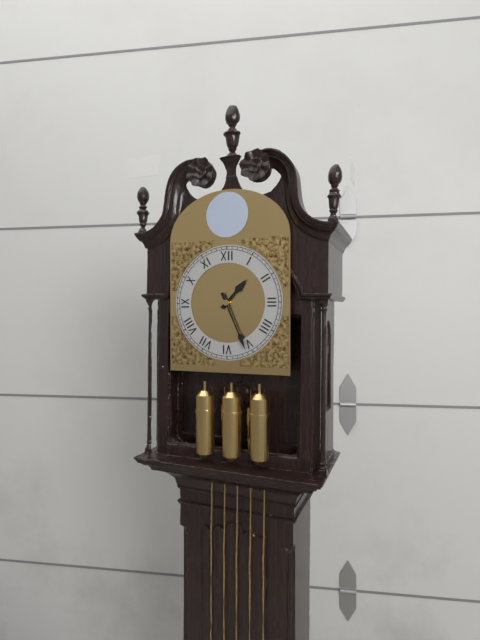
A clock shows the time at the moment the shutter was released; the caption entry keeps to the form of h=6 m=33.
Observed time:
h=1 m=26
